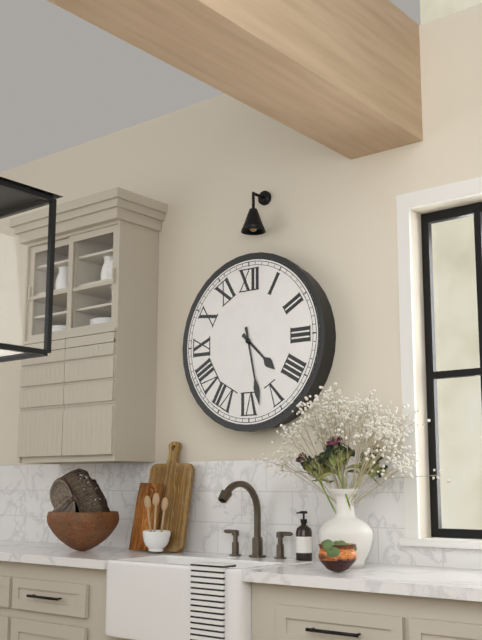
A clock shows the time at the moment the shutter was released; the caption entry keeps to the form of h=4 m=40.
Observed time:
h=4 m=28
